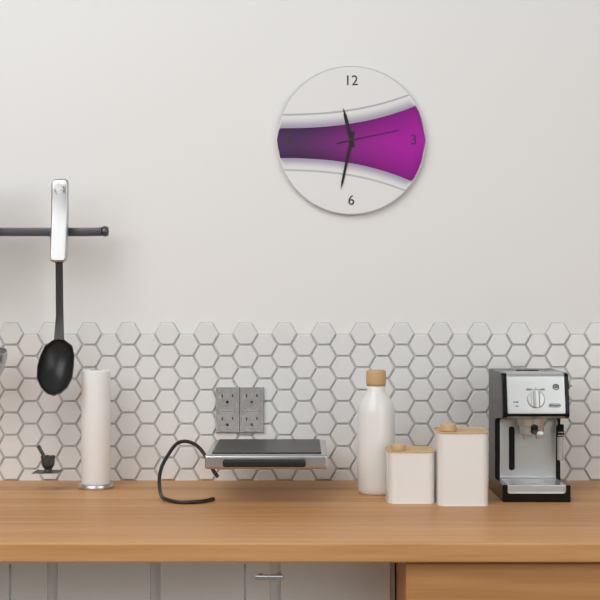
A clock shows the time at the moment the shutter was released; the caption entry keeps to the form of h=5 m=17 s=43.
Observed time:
h=11 m=32 s=13
